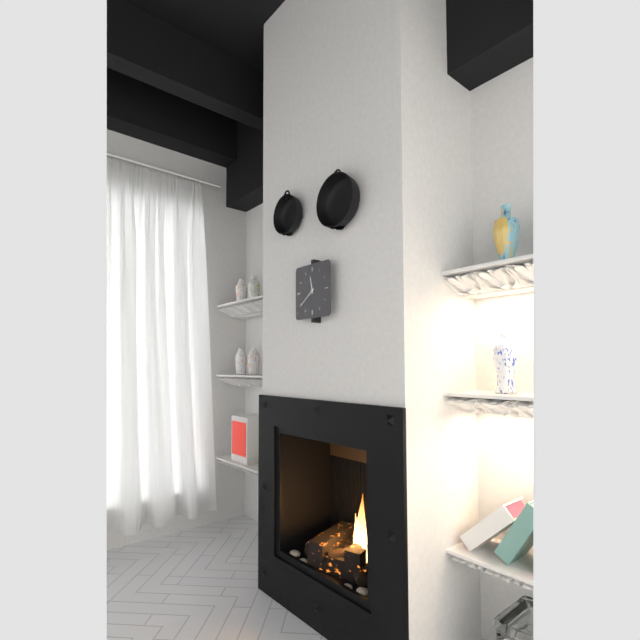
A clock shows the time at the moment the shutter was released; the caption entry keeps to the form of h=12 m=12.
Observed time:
h=11 m=39
